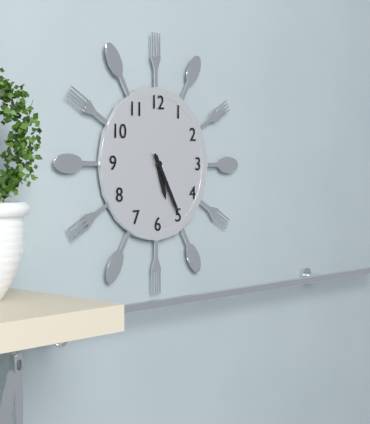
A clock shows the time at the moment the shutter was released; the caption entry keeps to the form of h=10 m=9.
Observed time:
h=5 m=25
